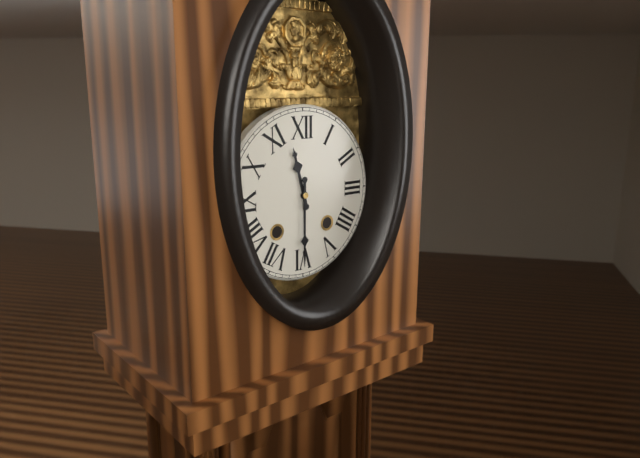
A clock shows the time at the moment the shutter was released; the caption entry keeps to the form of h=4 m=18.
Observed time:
h=11 m=30
